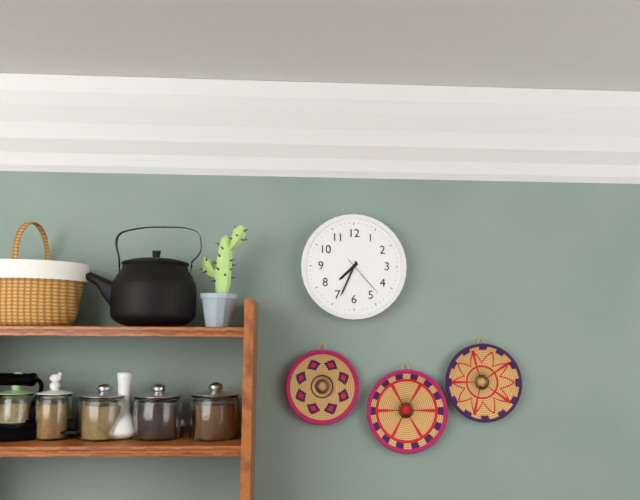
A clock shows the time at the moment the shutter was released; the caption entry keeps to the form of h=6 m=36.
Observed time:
h=7 m=34
